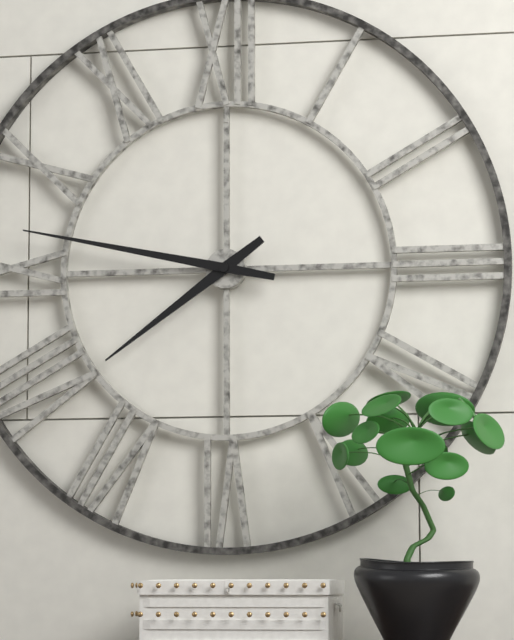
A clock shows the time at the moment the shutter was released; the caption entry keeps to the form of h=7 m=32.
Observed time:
h=7 m=47
